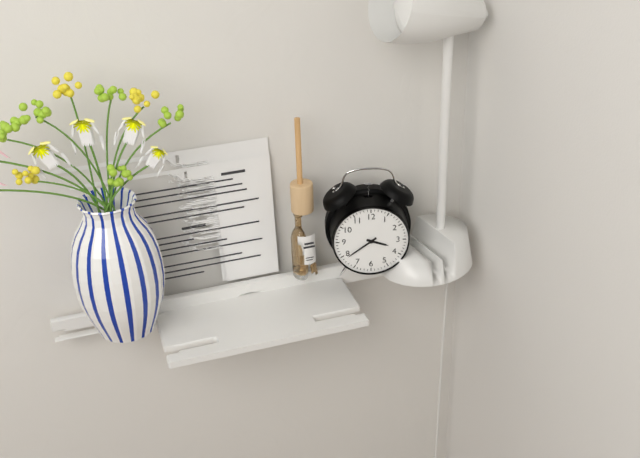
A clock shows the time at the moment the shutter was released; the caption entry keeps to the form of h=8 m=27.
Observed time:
h=3 m=39
